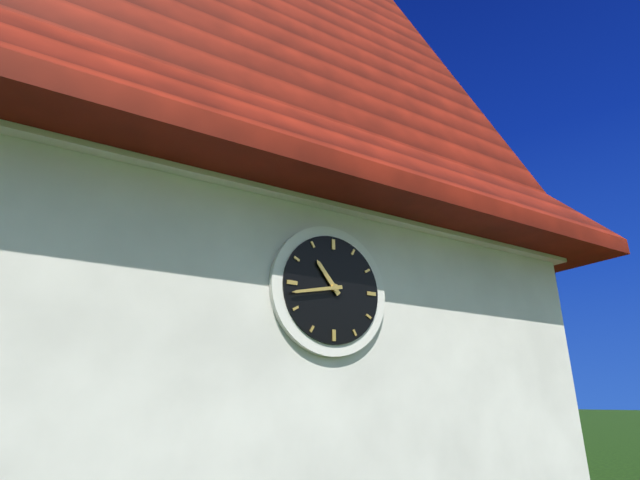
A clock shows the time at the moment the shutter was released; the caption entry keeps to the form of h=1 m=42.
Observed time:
h=10 m=43
